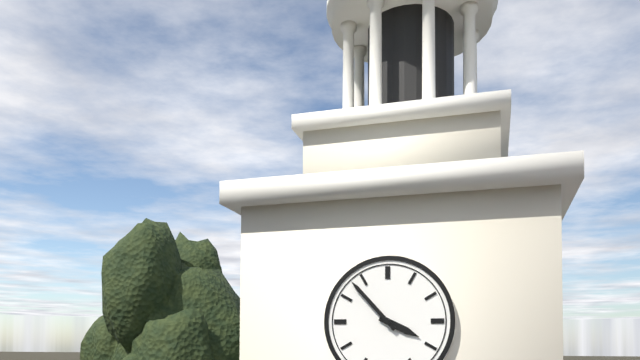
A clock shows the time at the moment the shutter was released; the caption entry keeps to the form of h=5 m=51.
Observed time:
h=3 m=53
